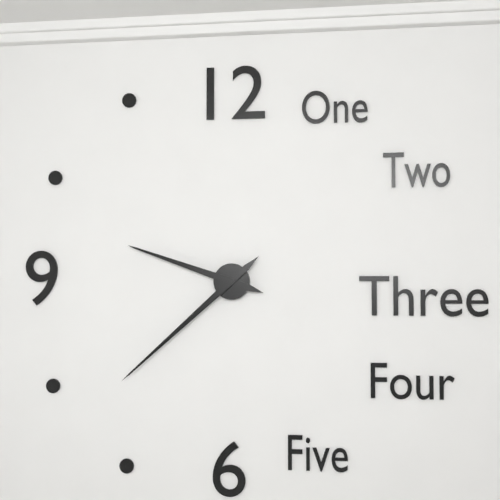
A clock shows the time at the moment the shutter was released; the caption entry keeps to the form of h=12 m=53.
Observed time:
h=9 m=38
